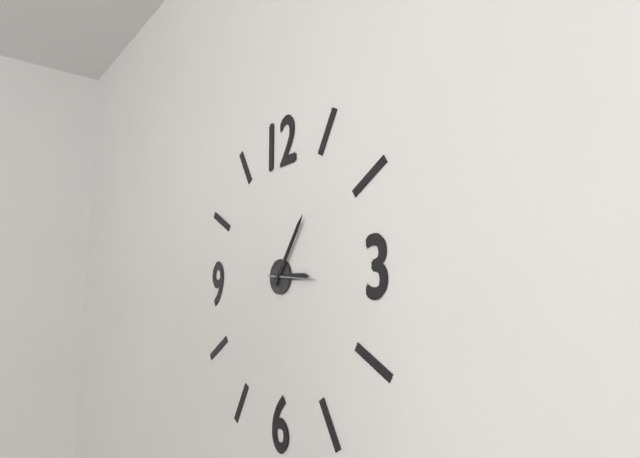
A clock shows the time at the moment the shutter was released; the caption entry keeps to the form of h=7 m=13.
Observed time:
h=3 m=6
